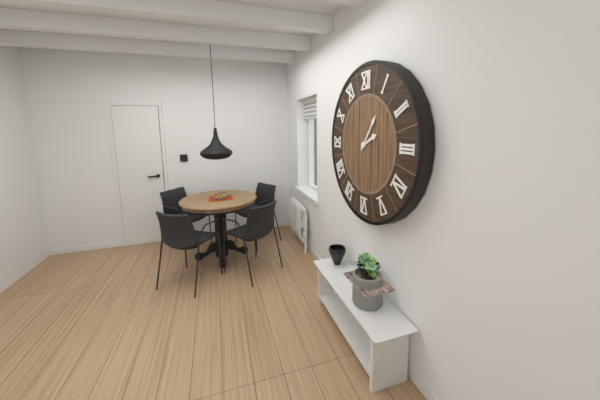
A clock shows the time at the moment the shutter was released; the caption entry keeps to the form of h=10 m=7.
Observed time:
h=2 m=6
